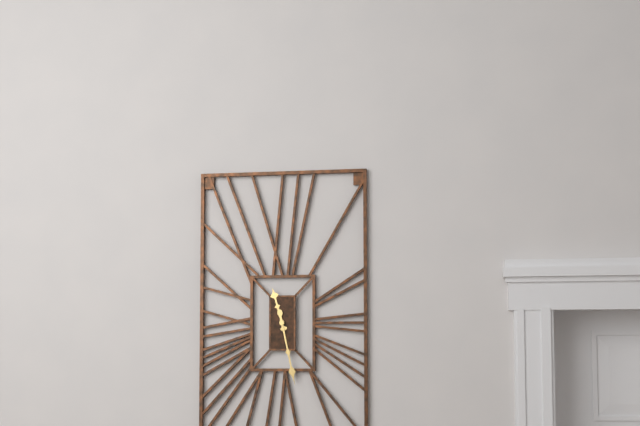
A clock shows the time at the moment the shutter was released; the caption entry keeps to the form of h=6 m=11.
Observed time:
h=11 m=28
